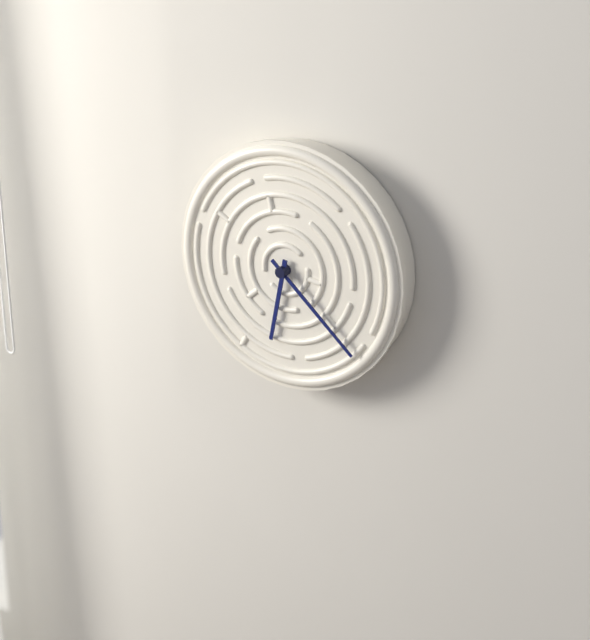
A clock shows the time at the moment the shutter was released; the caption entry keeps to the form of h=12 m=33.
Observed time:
h=6 m=22
